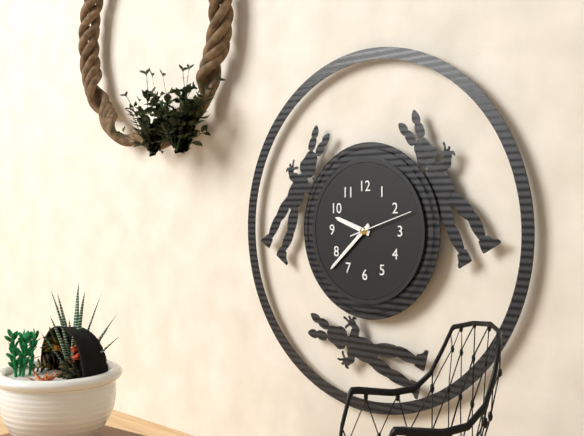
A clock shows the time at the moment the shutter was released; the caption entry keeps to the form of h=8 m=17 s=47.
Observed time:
h=9 m=38 s=12
